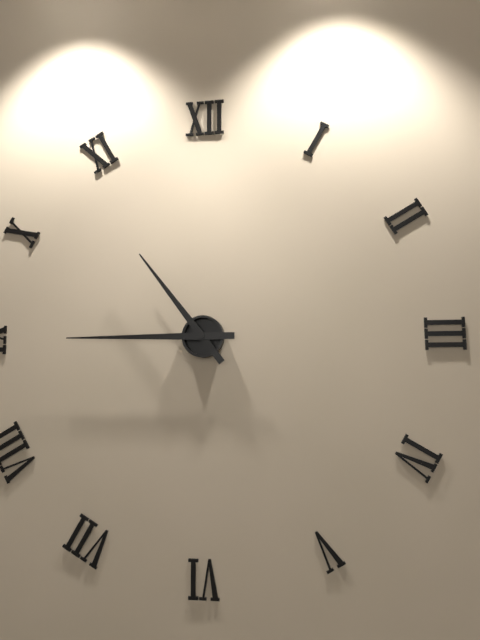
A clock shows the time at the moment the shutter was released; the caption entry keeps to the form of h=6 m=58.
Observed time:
h=10 m=45
